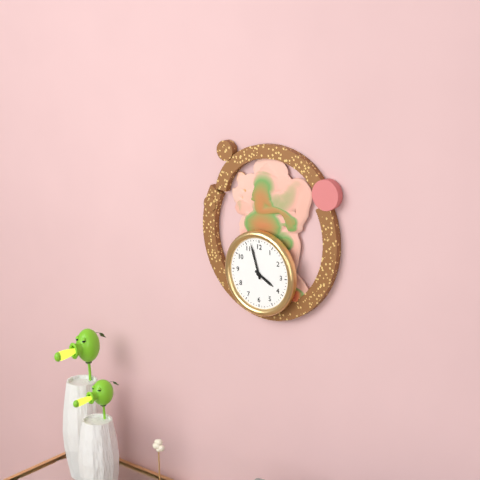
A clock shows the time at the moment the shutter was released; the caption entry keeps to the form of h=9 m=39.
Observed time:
h=3 m=57
